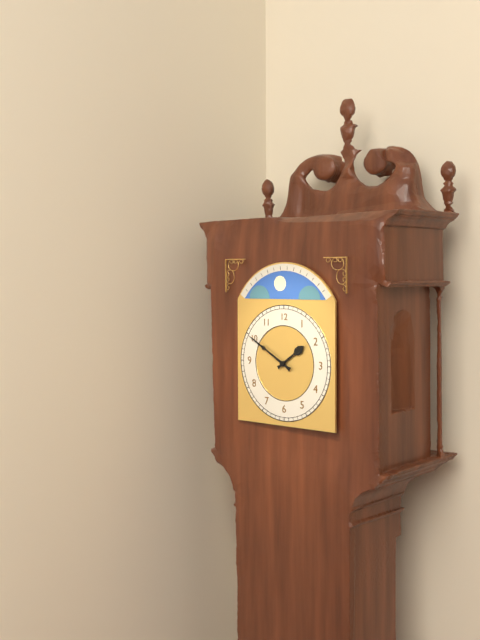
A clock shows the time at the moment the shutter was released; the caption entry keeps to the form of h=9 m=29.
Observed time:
h=1 m=50
